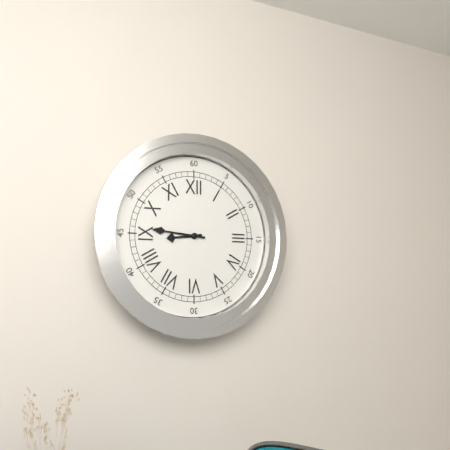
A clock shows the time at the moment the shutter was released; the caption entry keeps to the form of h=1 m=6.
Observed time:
h=8 m=46
